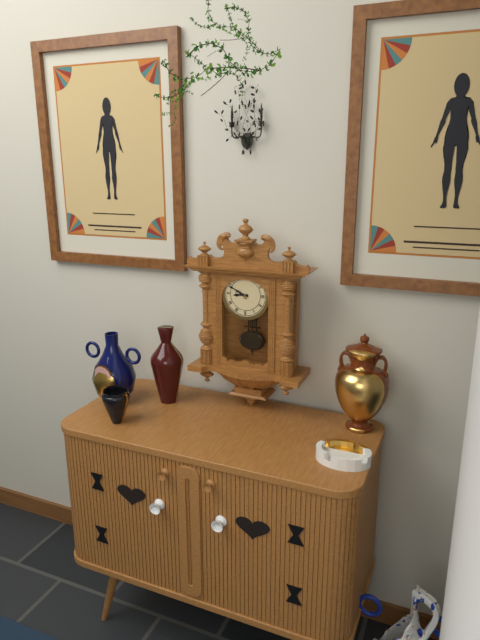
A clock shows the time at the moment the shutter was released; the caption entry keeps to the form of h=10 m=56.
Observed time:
h=8 m=49
